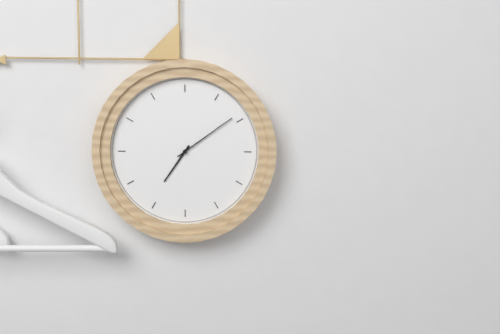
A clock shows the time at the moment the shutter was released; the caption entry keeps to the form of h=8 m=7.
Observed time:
h=7 m=9
